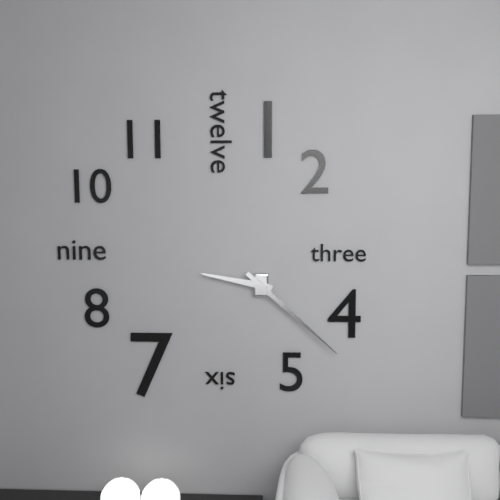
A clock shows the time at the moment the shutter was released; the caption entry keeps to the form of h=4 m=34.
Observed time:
h=9 m=22
